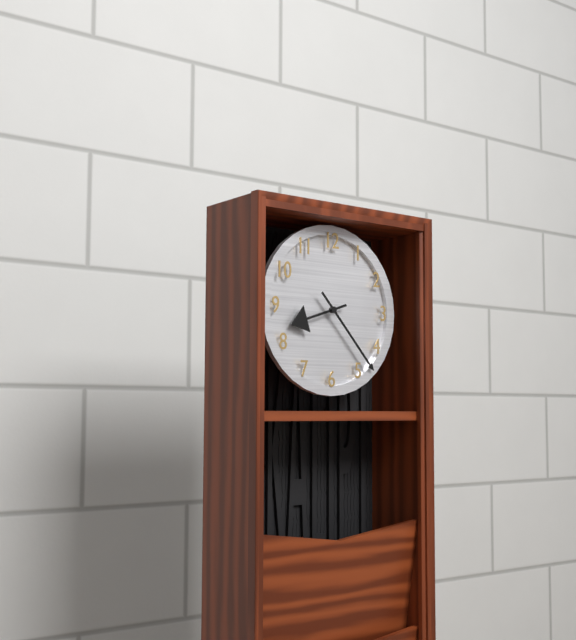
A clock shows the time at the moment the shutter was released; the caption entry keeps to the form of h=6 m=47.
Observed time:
h=8 m=23
